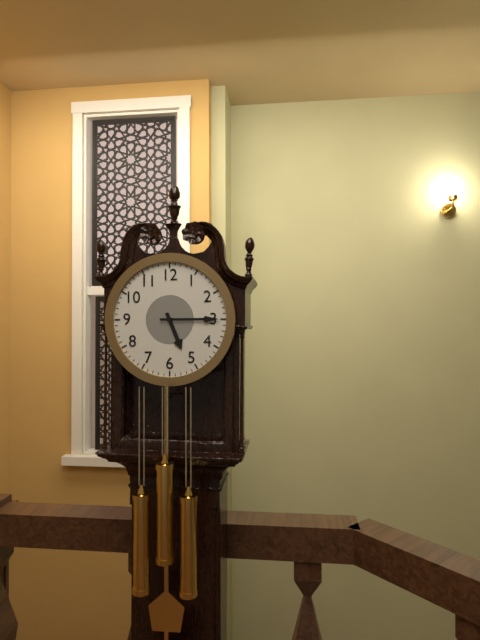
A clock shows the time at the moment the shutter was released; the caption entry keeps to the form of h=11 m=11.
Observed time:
h=5 m=15
